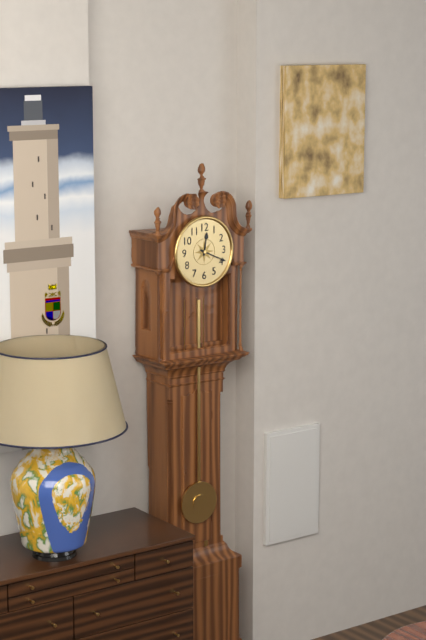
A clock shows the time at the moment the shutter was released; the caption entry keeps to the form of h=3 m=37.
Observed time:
h=12 m=19
